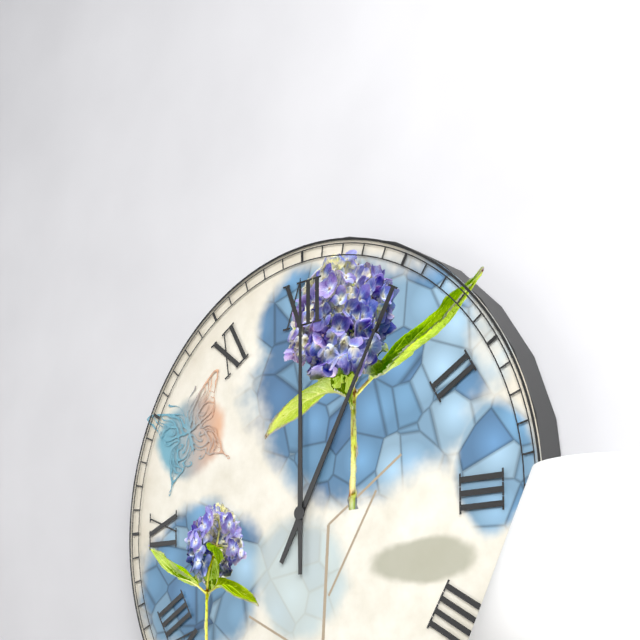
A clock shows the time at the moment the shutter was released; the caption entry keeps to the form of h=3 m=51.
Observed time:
h=1 m=0
